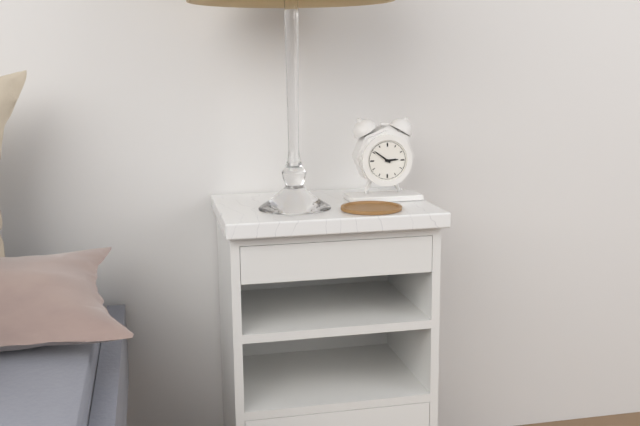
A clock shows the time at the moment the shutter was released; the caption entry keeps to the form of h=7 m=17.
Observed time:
h=2 m=51
